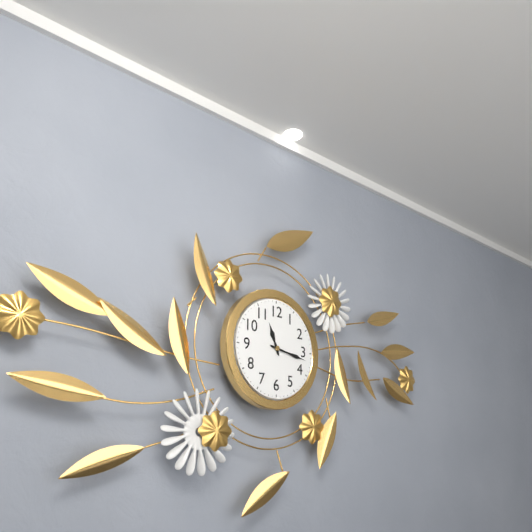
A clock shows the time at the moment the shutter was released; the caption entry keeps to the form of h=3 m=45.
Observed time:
h=11 m=17
